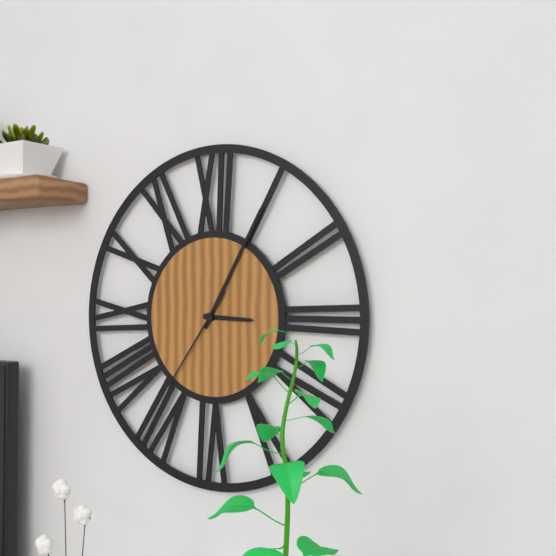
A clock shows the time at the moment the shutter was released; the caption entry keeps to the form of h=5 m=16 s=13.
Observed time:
h=3 m=5 s=36
